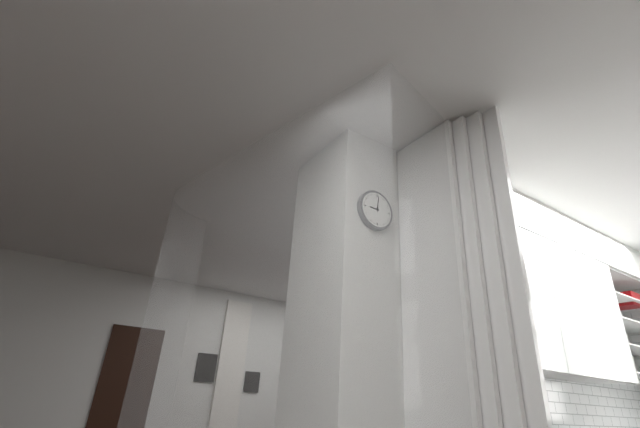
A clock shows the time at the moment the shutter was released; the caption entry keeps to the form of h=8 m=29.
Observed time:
h=9 m=1
